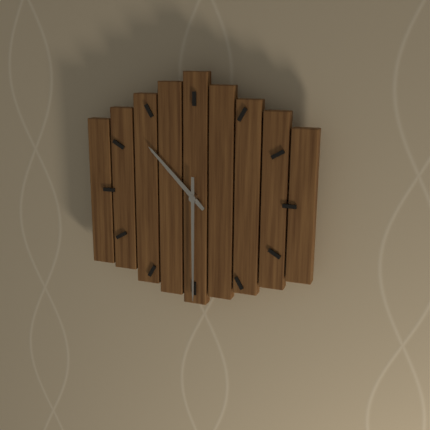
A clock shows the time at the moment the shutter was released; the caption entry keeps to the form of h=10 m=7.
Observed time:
h=10 m=30
